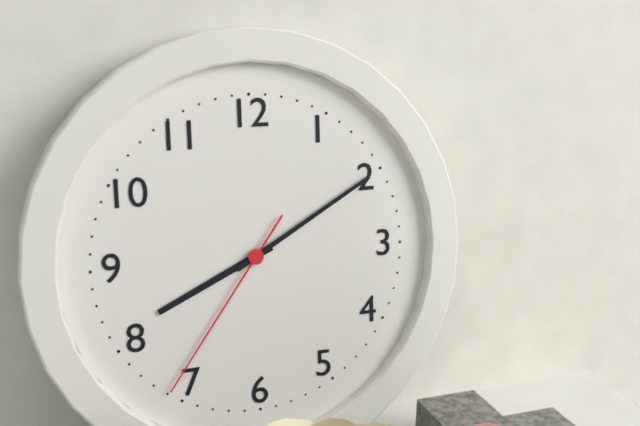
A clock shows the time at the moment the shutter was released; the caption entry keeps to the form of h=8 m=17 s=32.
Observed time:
h=8 m=10 s=36
